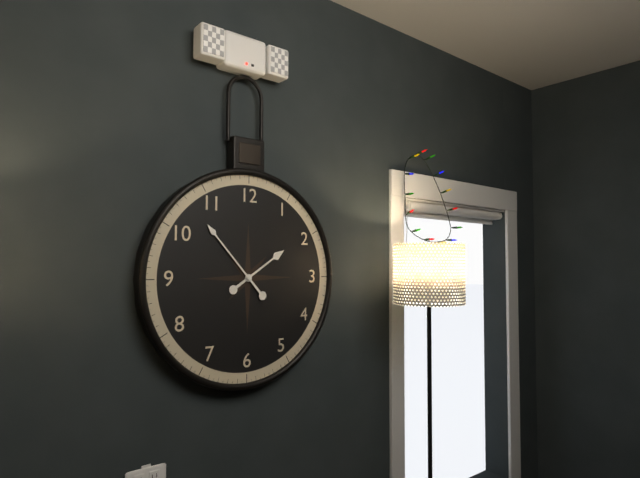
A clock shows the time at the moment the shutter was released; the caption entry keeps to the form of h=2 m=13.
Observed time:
h=1 m=53
